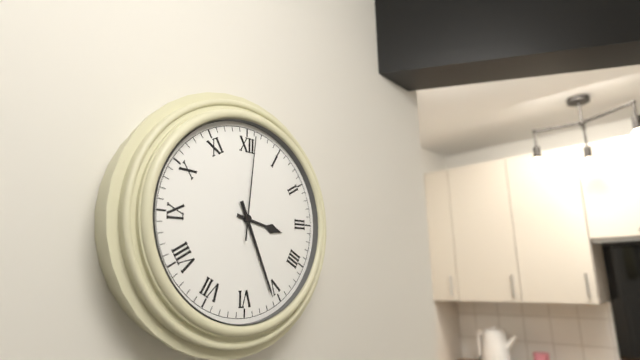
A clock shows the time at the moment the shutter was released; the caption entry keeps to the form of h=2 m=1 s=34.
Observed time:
h=3 m=26 s=1
